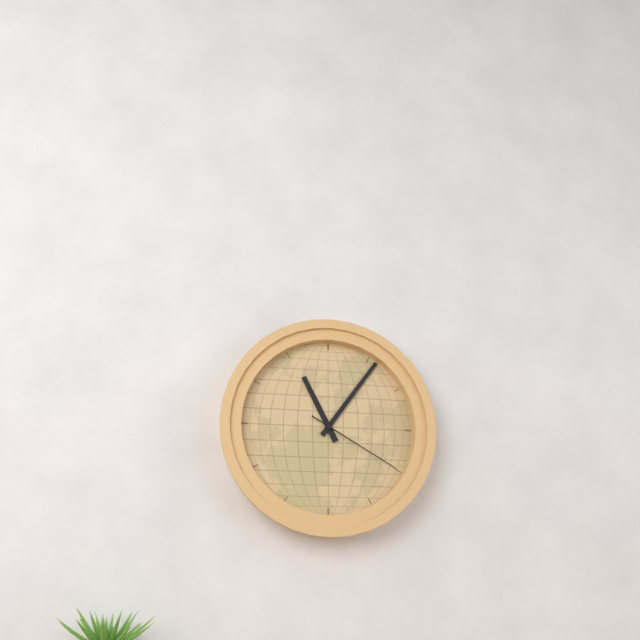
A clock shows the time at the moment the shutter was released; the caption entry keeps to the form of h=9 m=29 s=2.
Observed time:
h=11 m=6 s=20
